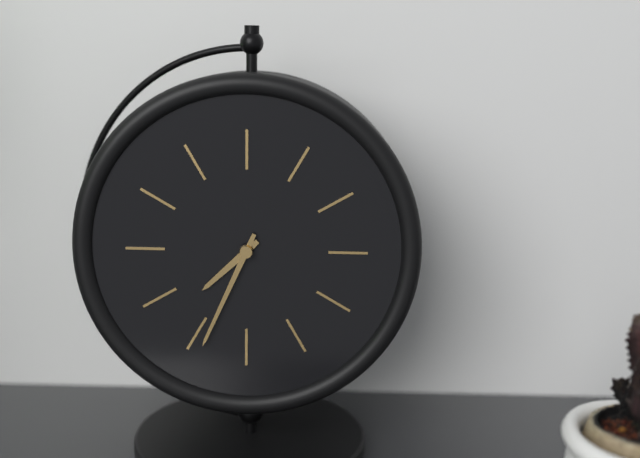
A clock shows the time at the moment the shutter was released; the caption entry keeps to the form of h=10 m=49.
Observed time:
h=7 m=34
